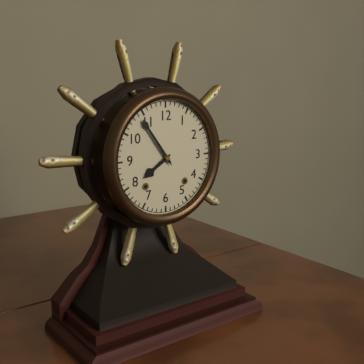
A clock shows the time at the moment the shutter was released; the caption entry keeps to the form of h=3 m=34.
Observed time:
h=7 m=54
